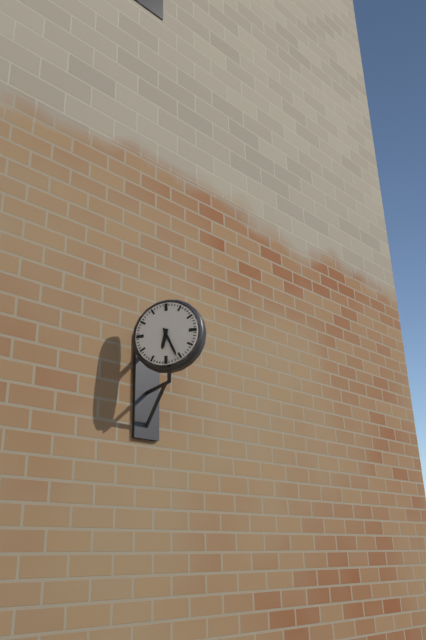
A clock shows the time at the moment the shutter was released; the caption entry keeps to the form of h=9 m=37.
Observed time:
h=6 m=26
